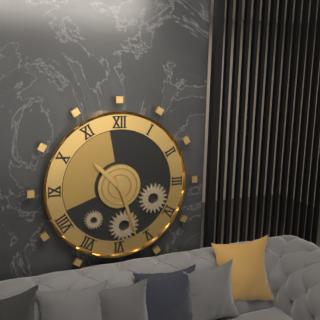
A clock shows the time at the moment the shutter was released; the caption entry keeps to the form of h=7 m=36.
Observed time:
h=10 m=27
